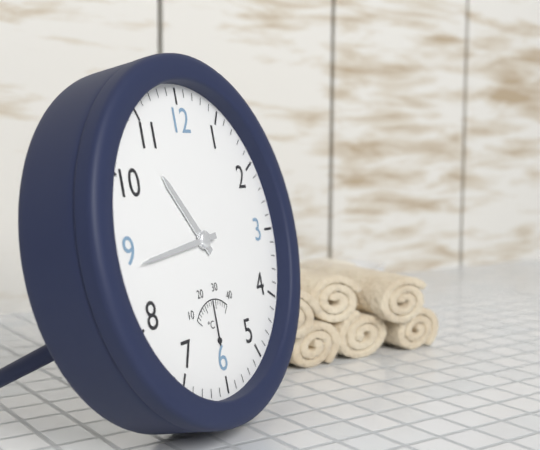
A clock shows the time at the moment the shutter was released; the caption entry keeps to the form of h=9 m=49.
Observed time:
h=10 m=44
